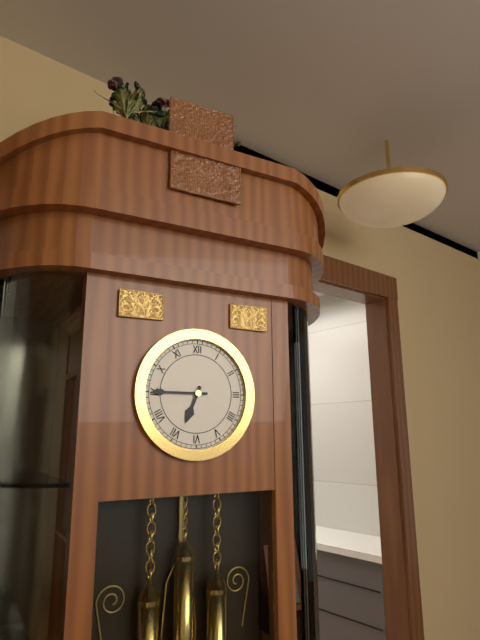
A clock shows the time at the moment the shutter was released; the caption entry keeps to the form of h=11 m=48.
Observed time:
h=6 m=45
